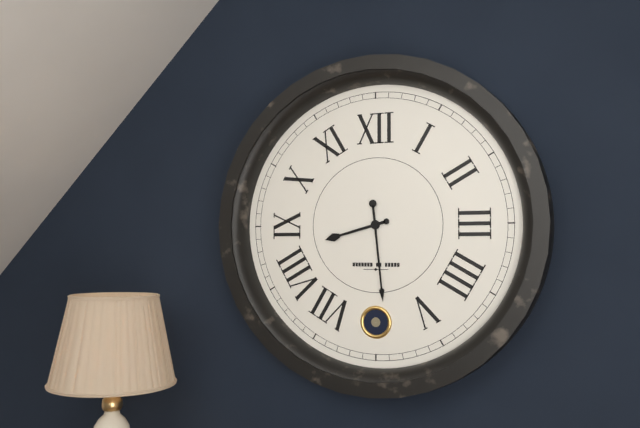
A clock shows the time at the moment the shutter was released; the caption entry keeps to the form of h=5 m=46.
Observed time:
h=8 m=29
